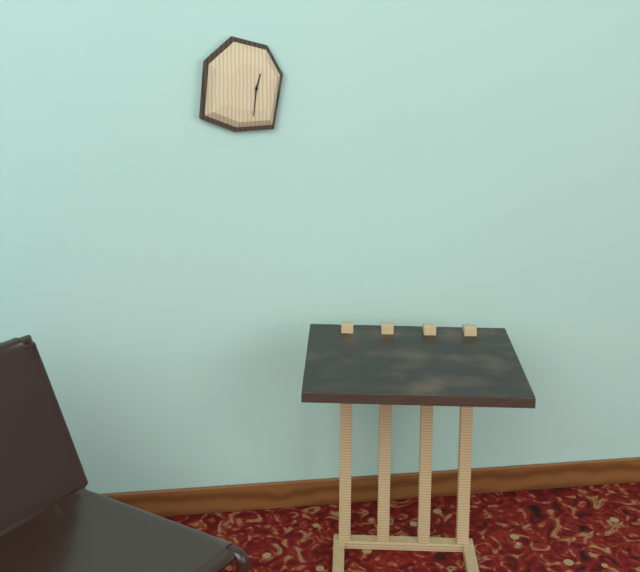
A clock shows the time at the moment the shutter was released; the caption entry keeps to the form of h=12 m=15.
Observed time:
h=12 m=31
